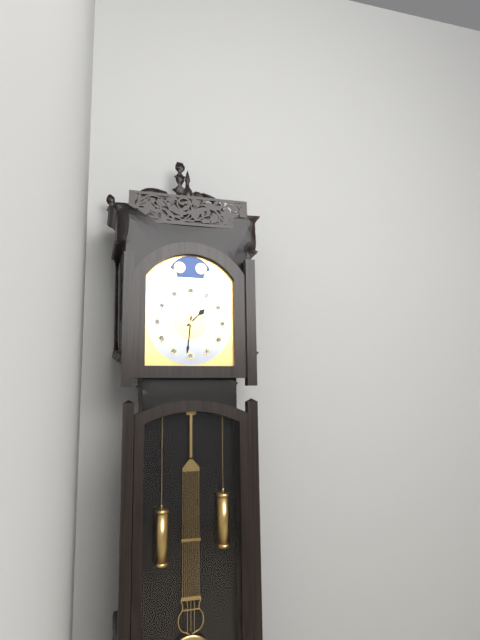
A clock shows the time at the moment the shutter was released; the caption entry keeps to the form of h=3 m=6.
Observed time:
h=1 m=31
